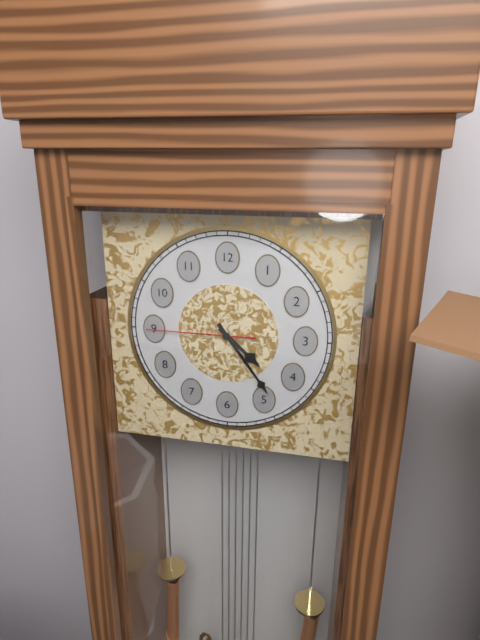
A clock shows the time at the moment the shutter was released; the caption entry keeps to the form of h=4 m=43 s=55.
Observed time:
h=4 m=24 s=45
